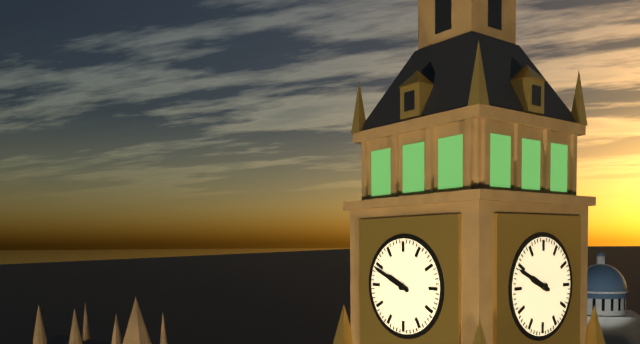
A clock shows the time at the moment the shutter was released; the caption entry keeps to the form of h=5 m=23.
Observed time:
h=9 m=49
